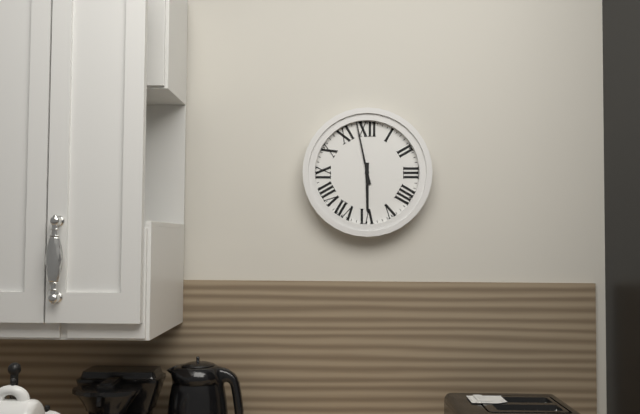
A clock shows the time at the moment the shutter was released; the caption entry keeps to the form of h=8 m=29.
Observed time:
h=5 m=58
